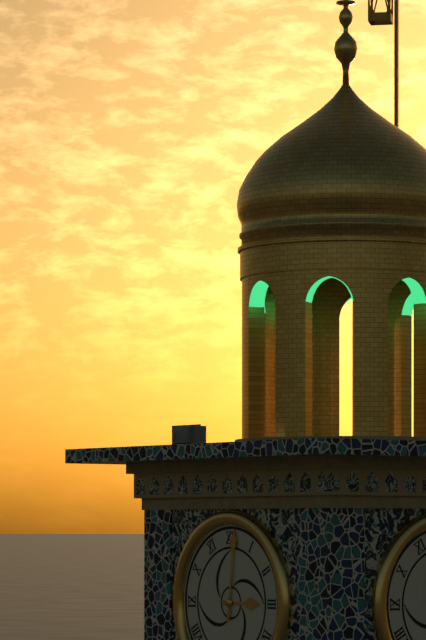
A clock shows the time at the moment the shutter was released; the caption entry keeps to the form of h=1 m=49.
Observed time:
h=3 m=1
